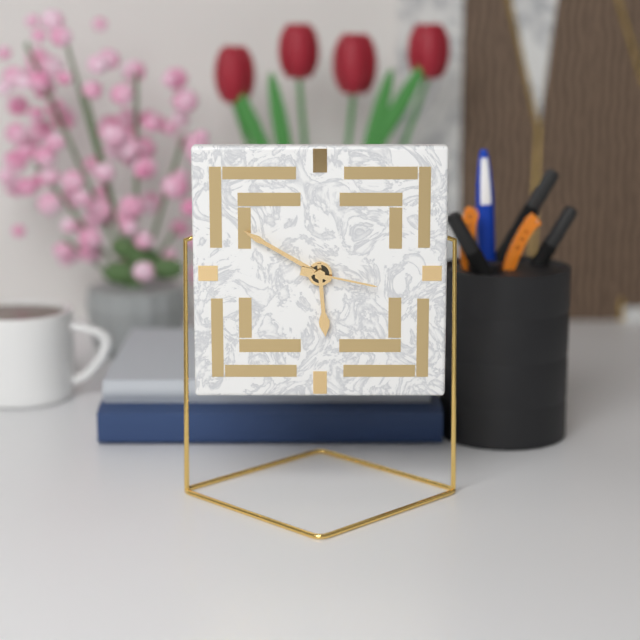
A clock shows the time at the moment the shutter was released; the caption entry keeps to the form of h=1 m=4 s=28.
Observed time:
h=5 m=50 s=17
